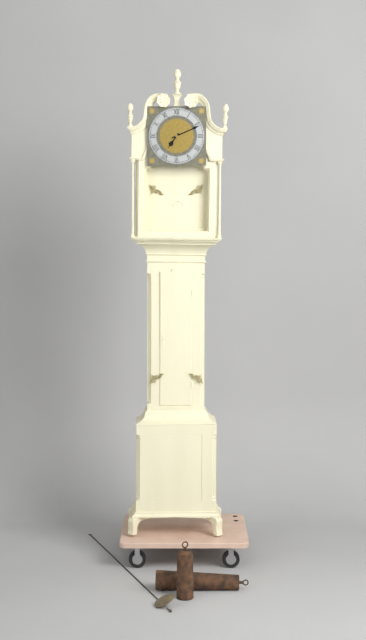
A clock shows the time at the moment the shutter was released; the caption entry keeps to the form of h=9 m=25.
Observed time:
h=7 m=11
